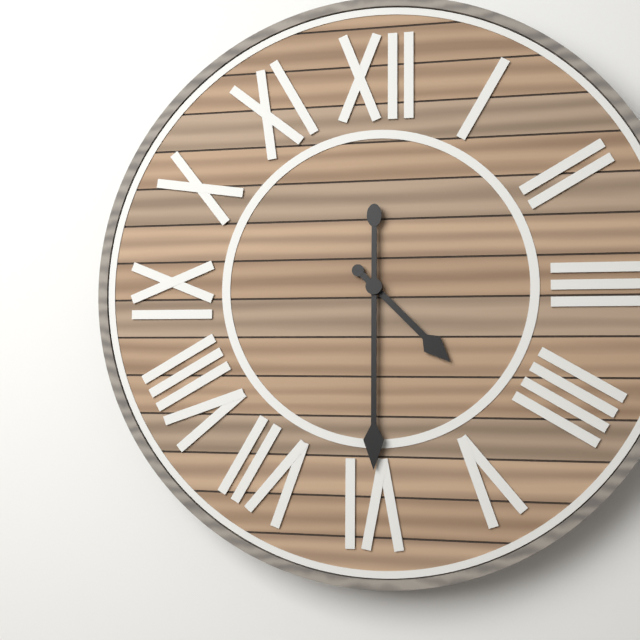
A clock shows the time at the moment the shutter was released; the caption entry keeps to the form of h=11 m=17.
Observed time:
h=4 m=30
